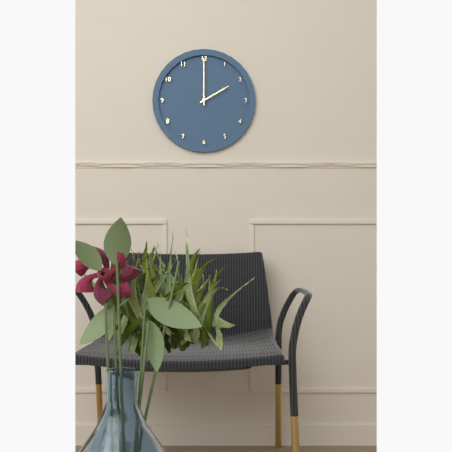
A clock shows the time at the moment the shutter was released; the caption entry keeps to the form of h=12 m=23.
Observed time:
h=2 m=0
